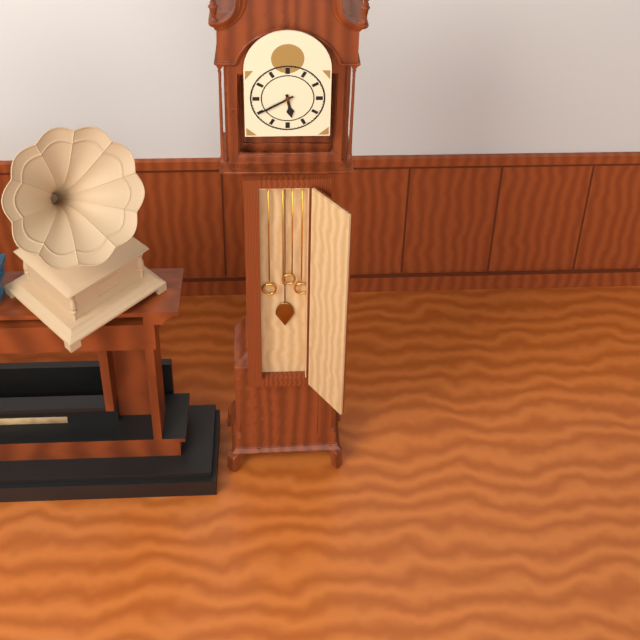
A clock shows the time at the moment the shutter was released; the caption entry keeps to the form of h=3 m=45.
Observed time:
h=5 m=40
